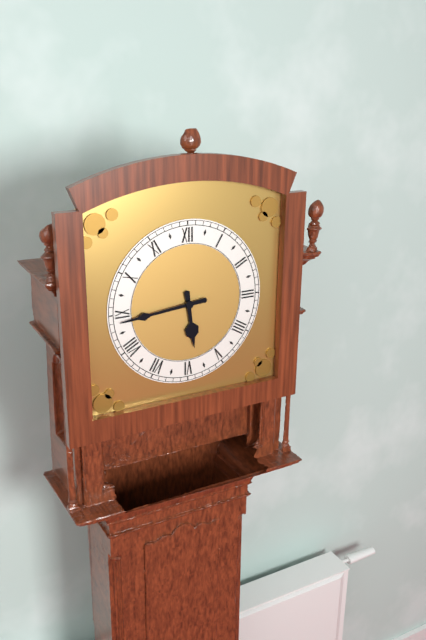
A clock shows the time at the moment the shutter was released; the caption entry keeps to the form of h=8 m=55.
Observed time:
h=5 m=44
